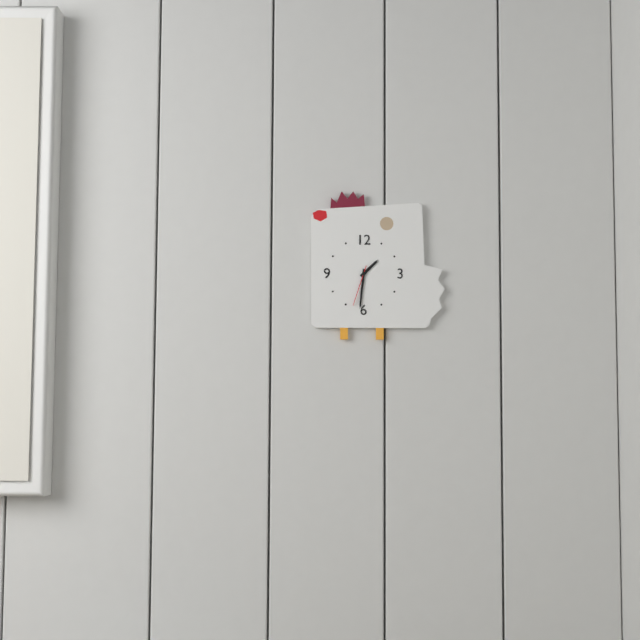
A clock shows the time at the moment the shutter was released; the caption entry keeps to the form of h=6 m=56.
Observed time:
h=1 m=31
